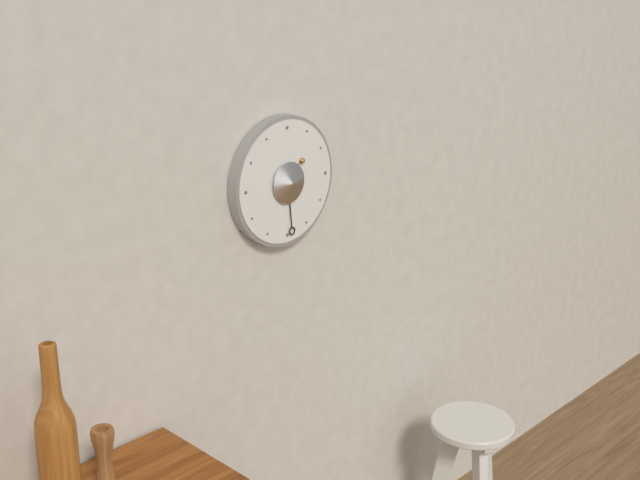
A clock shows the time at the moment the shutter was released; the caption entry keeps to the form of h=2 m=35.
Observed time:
h=1 m=29
